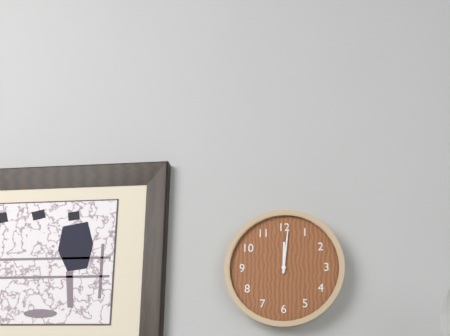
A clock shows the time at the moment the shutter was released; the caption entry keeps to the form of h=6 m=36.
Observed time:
h=12 m=1
